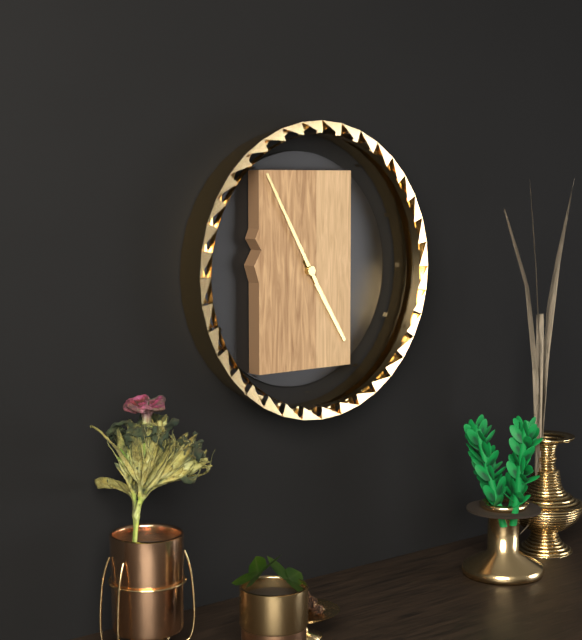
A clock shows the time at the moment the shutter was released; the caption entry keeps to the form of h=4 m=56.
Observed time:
h=4 m=55
